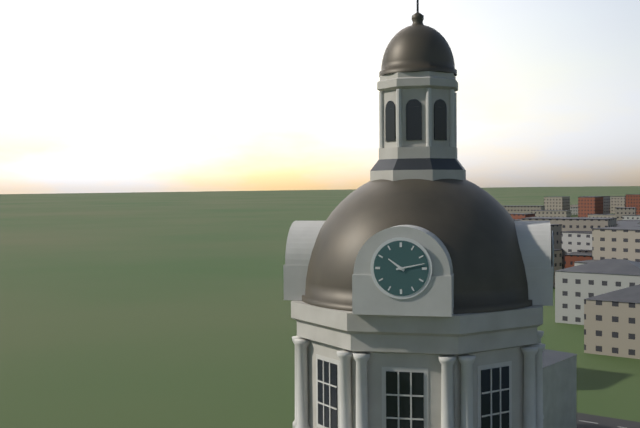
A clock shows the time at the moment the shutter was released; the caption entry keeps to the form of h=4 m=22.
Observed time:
h=10 m=13
